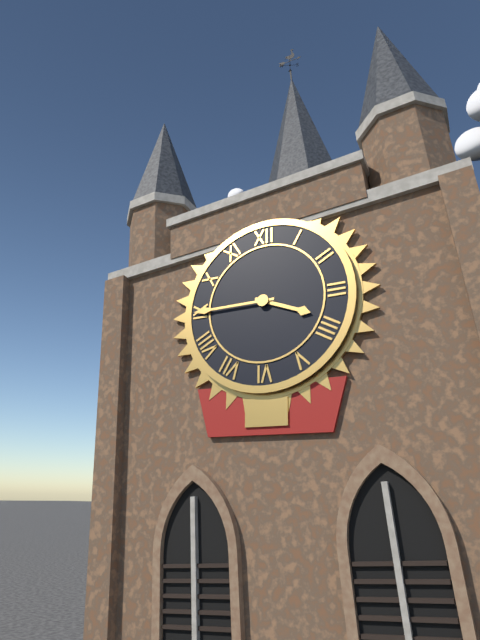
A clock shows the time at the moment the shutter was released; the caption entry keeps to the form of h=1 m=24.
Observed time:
h=3 m=45
